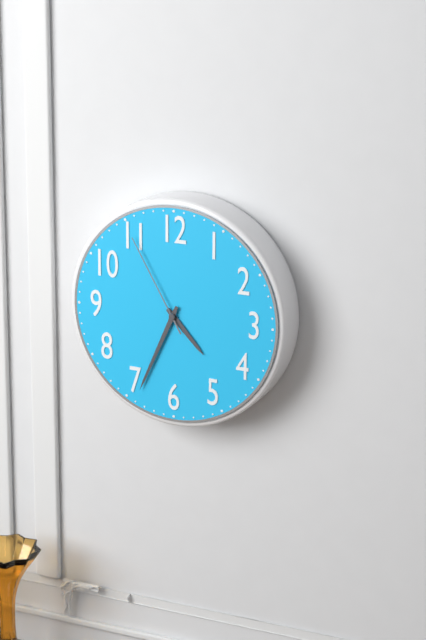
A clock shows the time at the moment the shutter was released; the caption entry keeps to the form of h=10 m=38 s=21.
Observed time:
h=4 m=34 s=55
